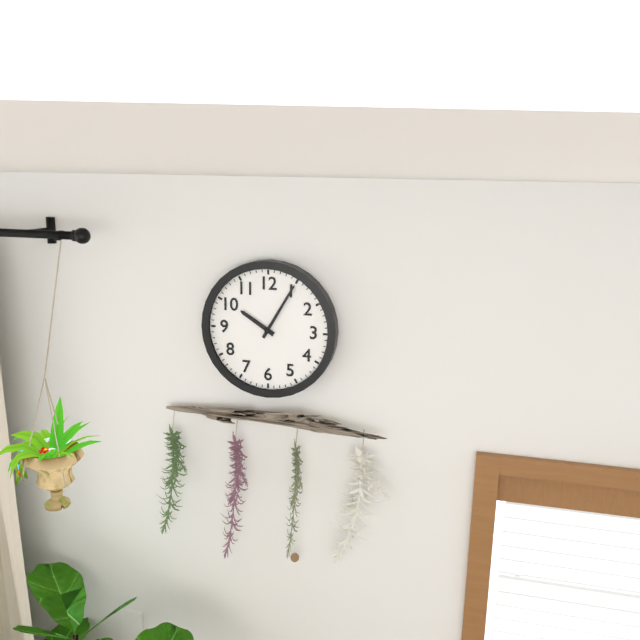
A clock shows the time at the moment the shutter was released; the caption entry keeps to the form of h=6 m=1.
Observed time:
h=10 m=5
